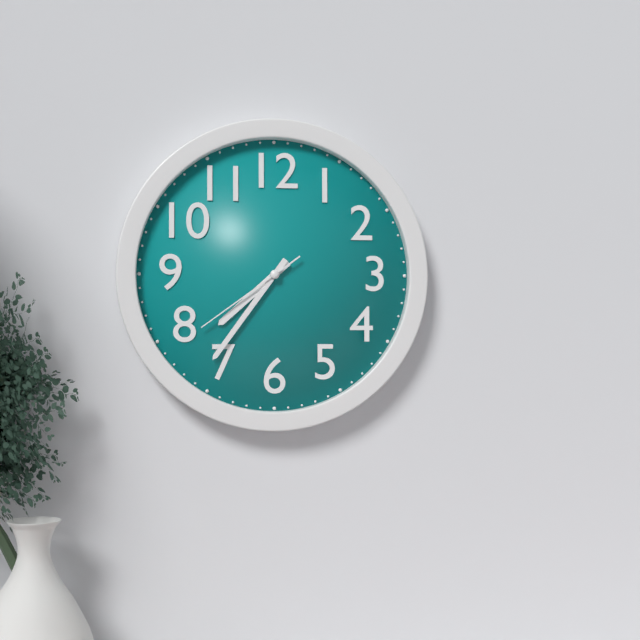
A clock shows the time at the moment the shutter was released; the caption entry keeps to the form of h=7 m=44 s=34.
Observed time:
h=7 m=36 s=39
